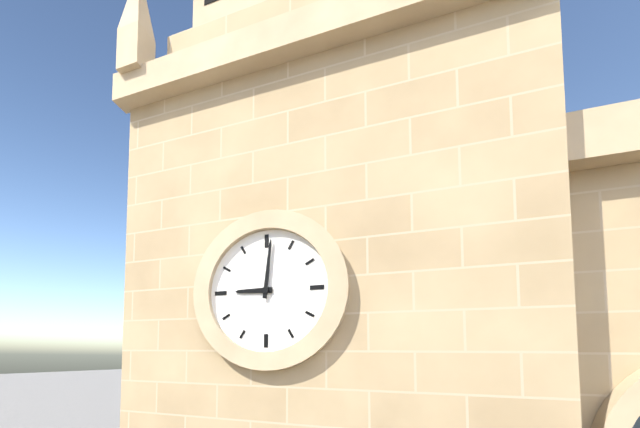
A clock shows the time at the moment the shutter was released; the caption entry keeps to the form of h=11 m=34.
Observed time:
h=9 m=1
